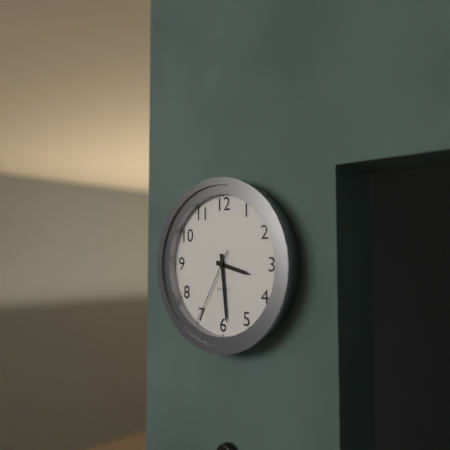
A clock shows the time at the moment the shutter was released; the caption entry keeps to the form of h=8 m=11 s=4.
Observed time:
h=3 m=29 s=35
